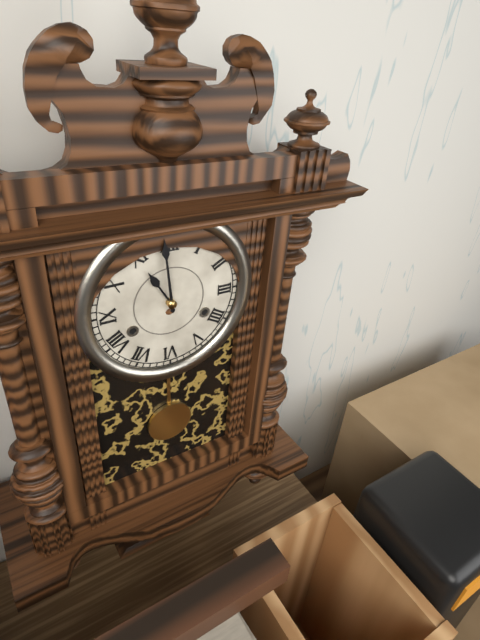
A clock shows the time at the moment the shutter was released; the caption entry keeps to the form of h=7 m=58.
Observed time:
h=10 m=59
